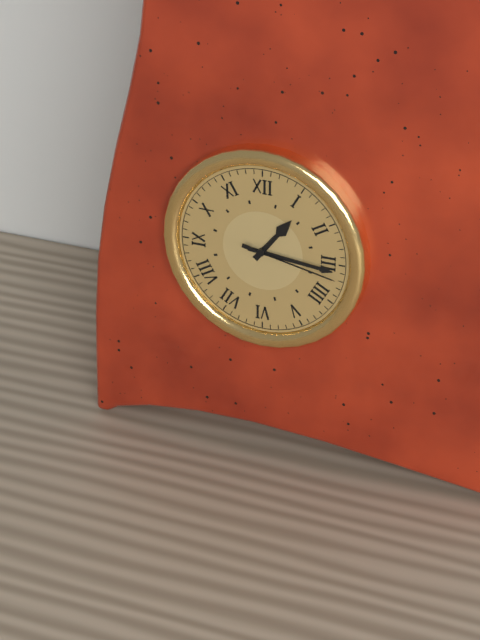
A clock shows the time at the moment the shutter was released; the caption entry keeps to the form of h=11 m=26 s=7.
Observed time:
h=1 m=16 s=17
